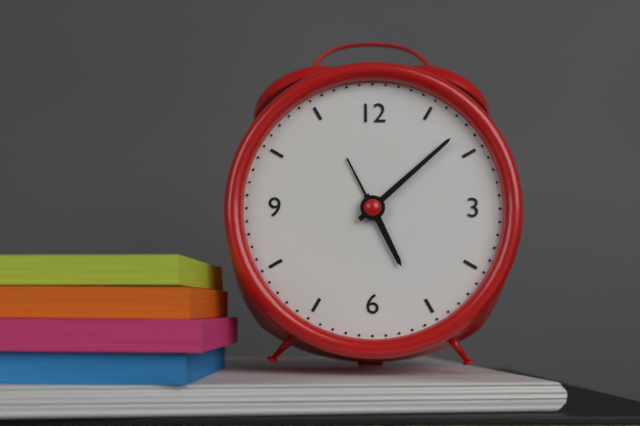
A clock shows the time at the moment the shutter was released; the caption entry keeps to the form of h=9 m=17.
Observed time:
h=5 m=8
